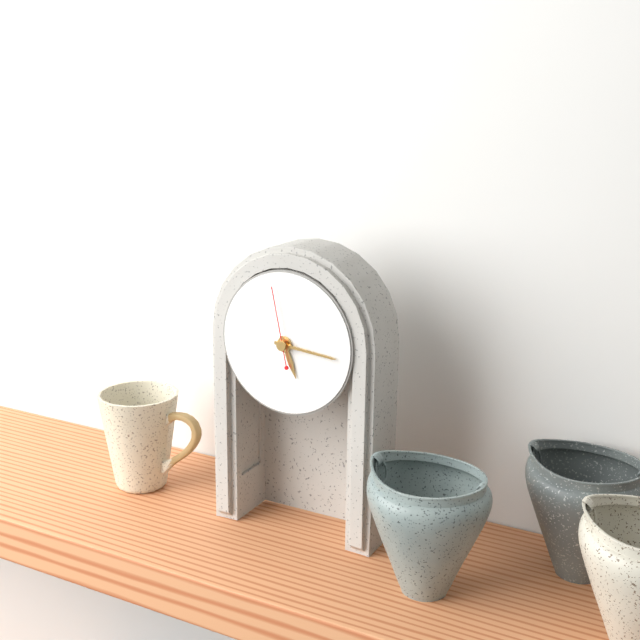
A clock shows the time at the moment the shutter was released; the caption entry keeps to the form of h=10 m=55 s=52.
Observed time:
h=5 m=16 s=58
